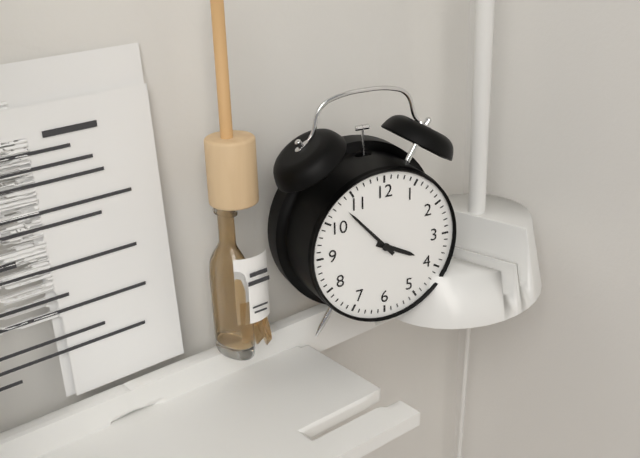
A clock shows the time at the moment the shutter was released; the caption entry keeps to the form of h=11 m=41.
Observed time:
h=3 m=53
